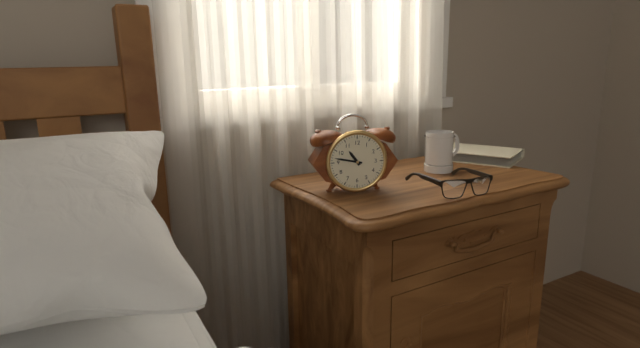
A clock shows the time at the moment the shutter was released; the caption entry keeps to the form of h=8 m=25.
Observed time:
h=10 m=47
